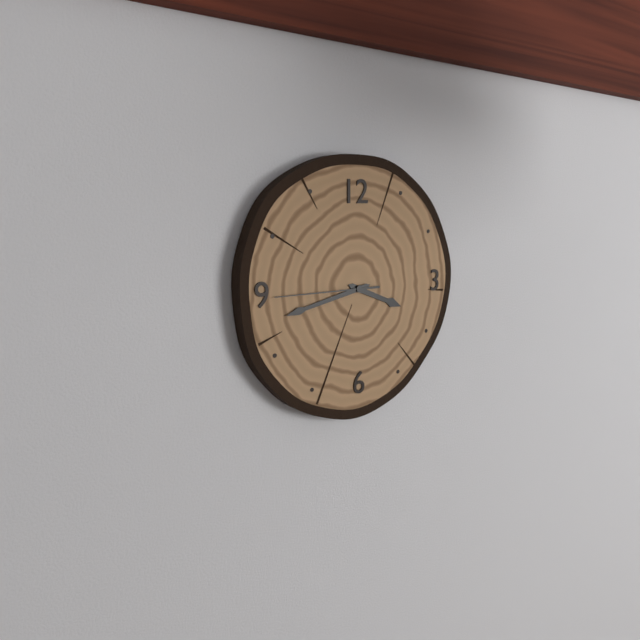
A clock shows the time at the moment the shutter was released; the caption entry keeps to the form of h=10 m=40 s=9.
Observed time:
h=3 m=43 s=45
